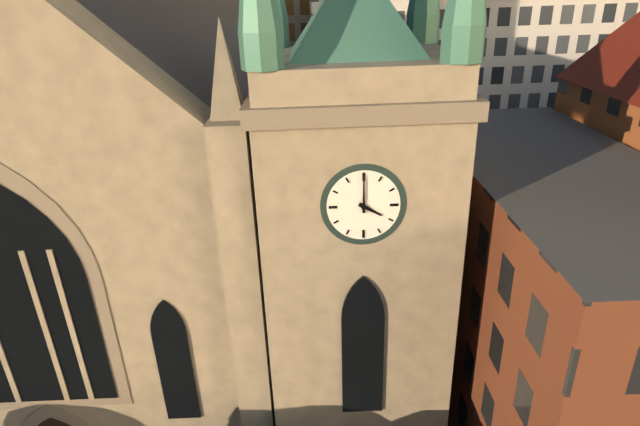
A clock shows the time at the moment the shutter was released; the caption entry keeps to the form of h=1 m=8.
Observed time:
h=4 m=0
